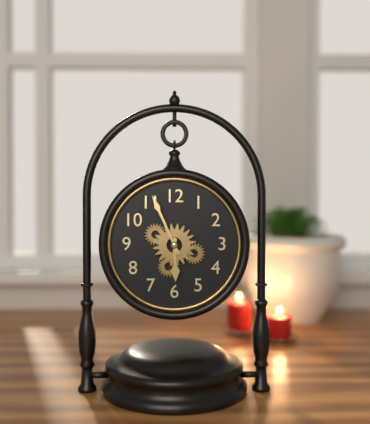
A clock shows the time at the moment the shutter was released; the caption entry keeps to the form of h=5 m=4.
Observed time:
h=5 m=56
